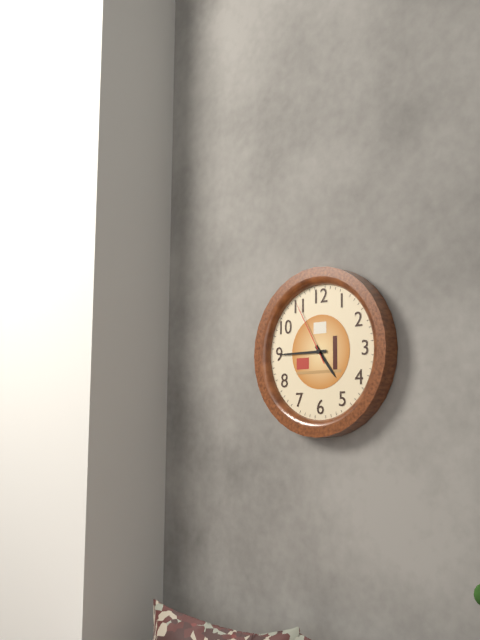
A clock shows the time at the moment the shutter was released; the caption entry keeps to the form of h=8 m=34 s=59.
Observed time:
h=4 m=45 s=55
